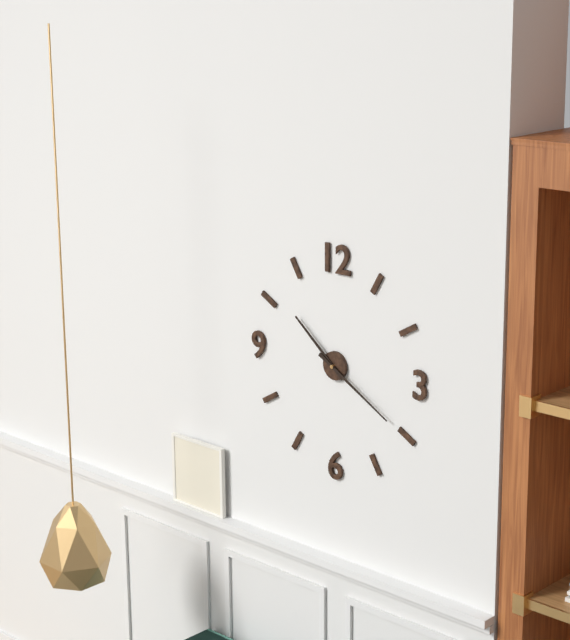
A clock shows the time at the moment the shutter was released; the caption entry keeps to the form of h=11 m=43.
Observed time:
h=10 m=20
